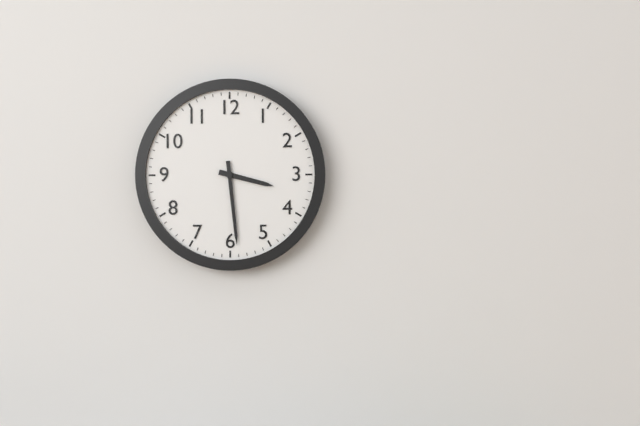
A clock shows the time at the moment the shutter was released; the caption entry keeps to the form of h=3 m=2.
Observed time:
h=3 m=29
